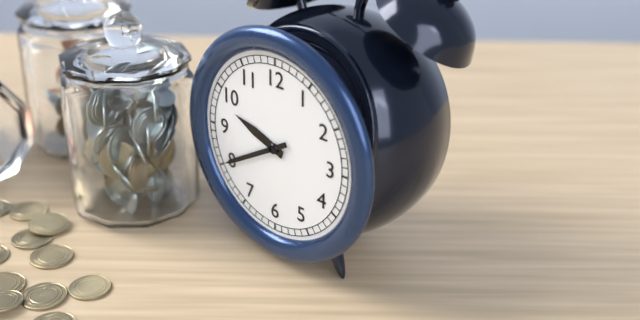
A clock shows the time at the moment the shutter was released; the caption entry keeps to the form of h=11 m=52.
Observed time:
h=9 m=40
